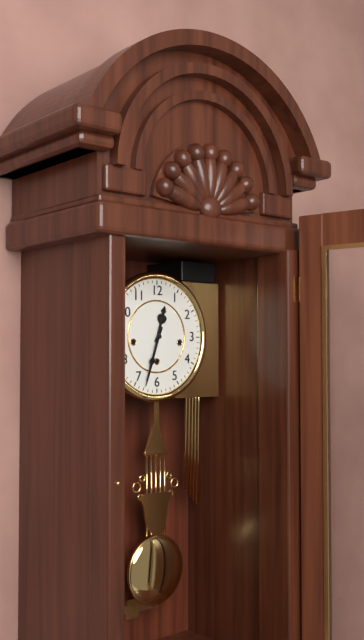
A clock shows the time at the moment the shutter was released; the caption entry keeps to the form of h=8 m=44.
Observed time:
h=12 m=33
